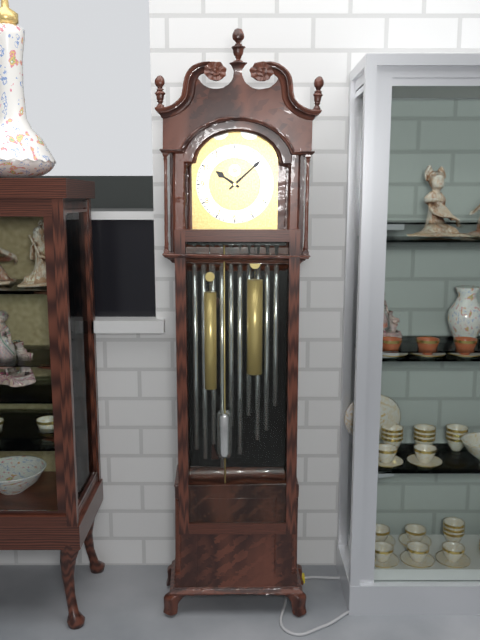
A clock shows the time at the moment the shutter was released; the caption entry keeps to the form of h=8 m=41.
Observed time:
h=10 m=8
